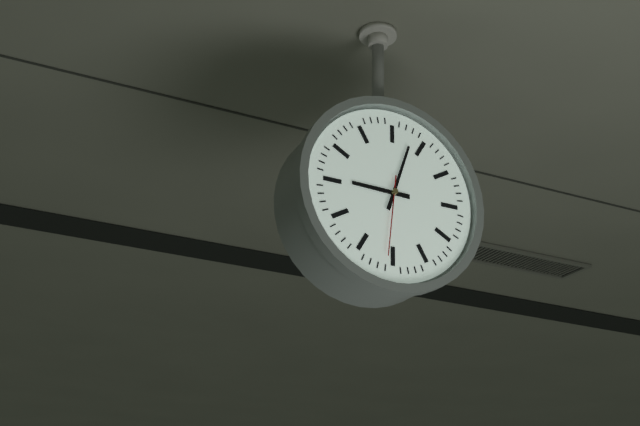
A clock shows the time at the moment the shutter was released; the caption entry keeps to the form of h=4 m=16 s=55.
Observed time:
h=9 m=3 s=31
